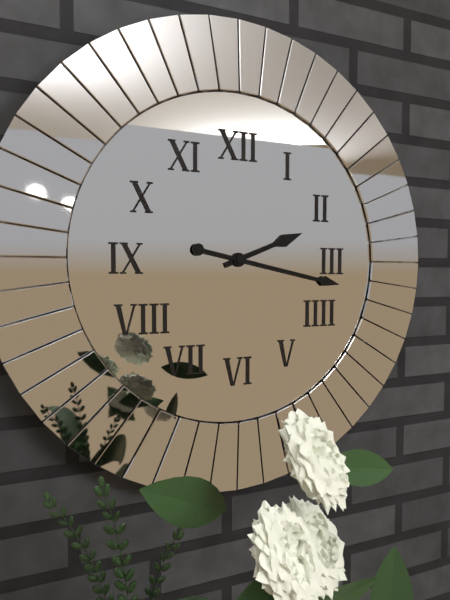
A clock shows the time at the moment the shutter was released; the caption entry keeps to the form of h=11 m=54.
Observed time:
h=2 m=17
